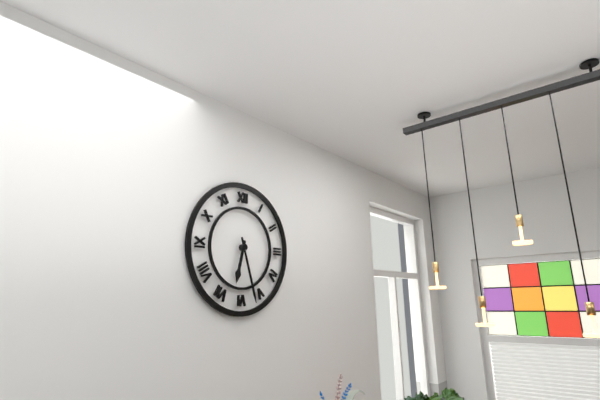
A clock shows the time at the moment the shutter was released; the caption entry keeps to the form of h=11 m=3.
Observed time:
h=6 m=27
